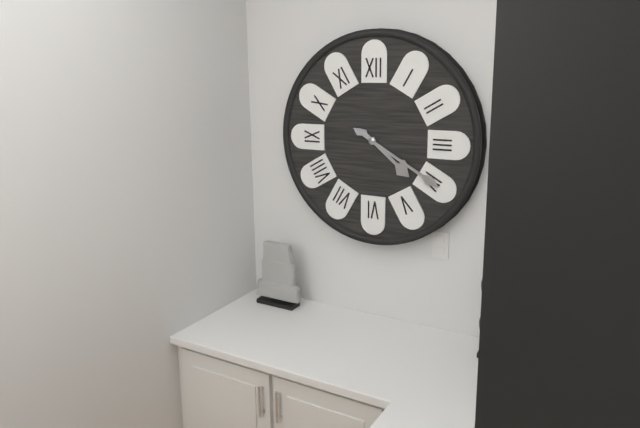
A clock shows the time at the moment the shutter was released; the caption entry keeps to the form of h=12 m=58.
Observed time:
h=4 m=20
